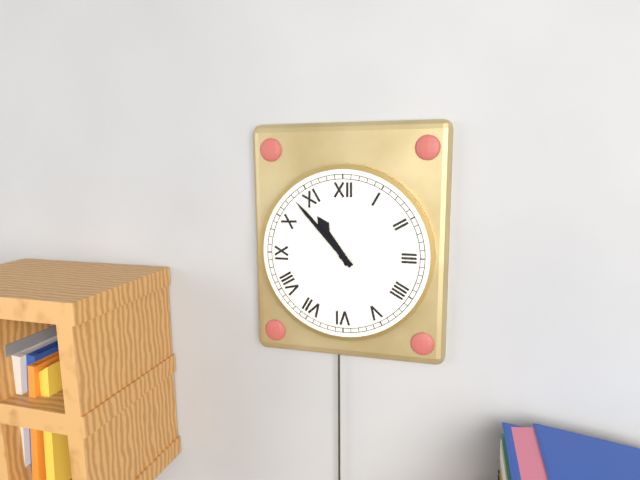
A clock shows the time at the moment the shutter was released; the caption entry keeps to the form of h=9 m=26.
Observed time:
h=10 m=53
